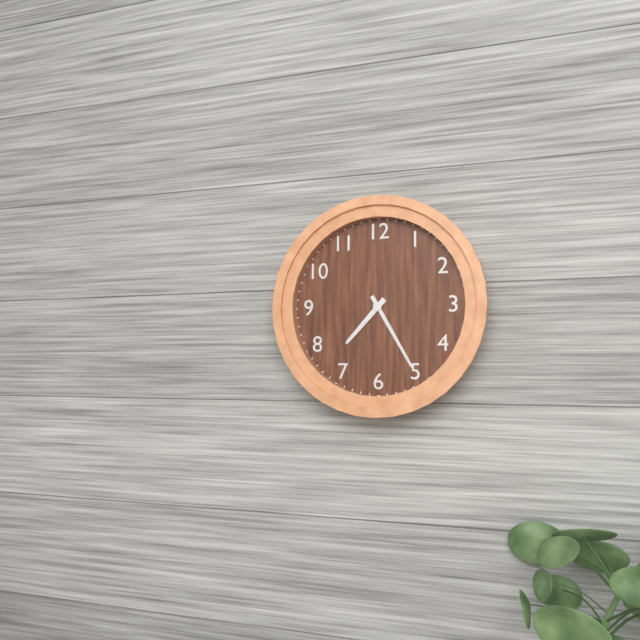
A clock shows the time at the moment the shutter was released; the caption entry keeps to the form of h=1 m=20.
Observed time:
h=7 m=25
